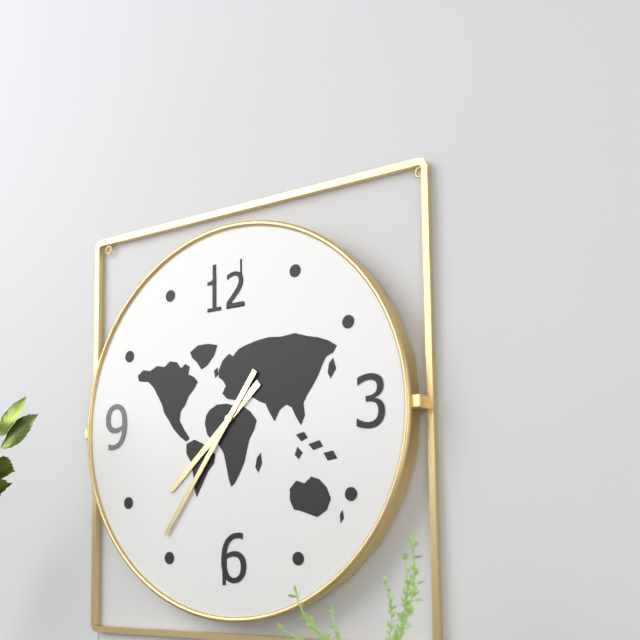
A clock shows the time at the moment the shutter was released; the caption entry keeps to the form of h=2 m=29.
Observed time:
h=7 m=36
